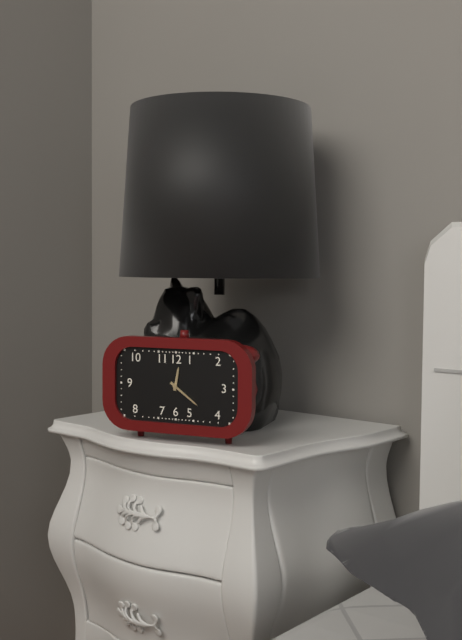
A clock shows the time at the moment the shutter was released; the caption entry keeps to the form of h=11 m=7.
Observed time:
h=12 m=21
